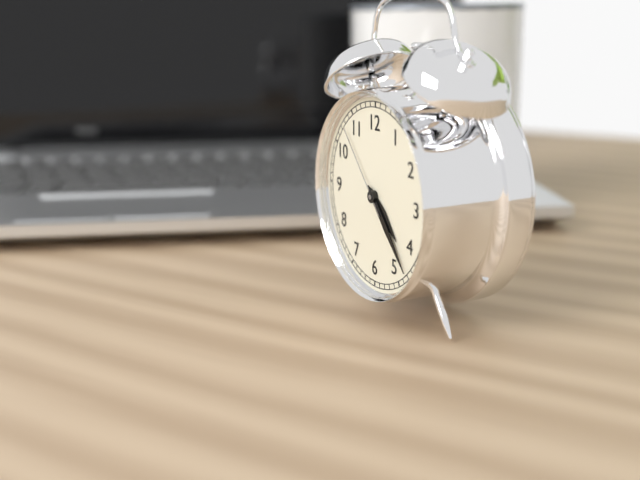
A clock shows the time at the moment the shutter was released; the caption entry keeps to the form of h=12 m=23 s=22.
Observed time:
h=4 m=23 s=53
